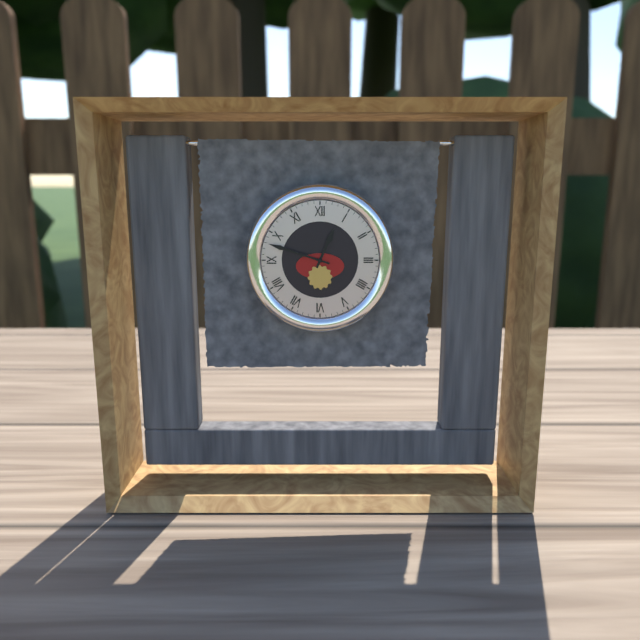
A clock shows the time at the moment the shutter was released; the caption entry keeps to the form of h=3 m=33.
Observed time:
h=12 m=48
